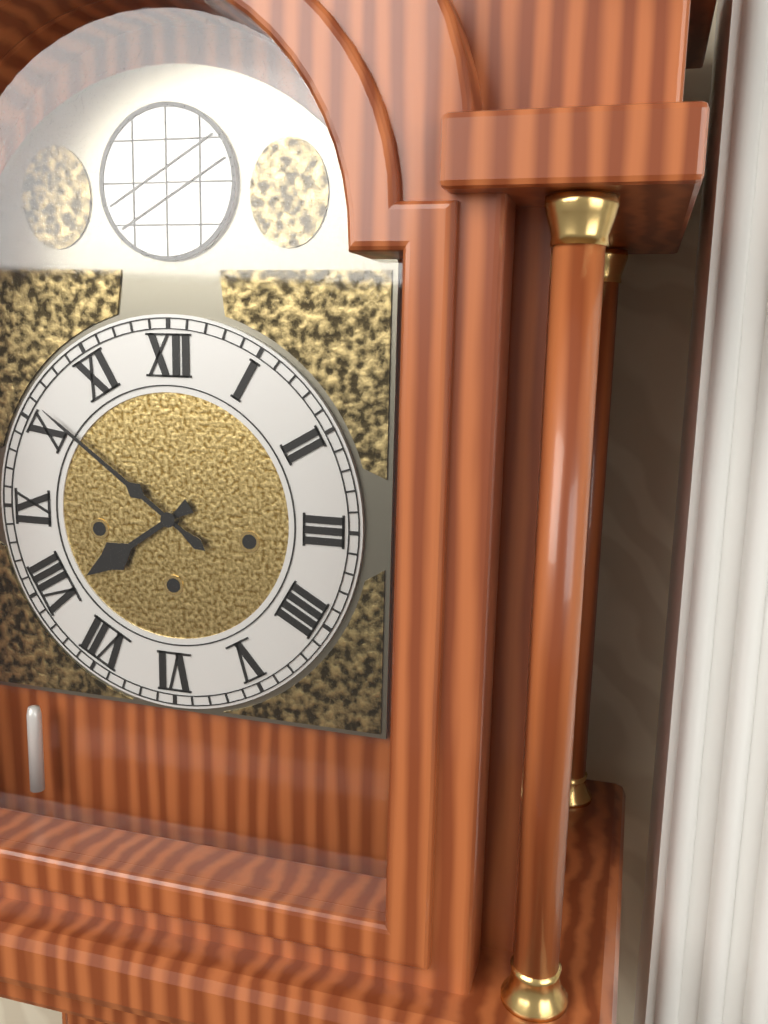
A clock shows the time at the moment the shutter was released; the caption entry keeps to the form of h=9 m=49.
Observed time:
h=7 m=51
